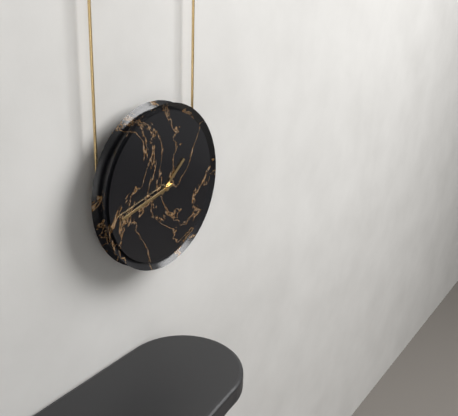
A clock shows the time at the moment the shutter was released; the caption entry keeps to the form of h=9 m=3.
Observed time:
h=1 m=43
